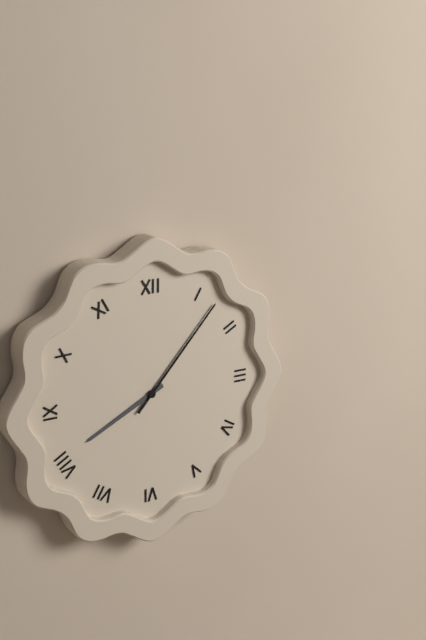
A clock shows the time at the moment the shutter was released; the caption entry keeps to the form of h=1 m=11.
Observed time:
h=8 m=7
